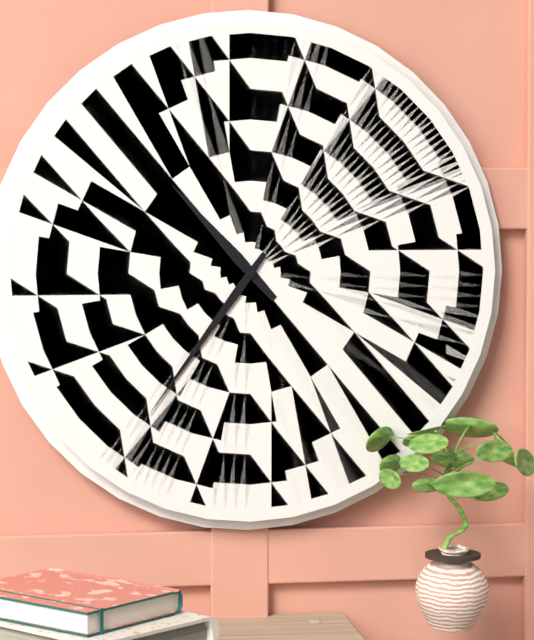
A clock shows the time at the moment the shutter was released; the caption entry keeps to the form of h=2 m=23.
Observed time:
h=10 m=36
